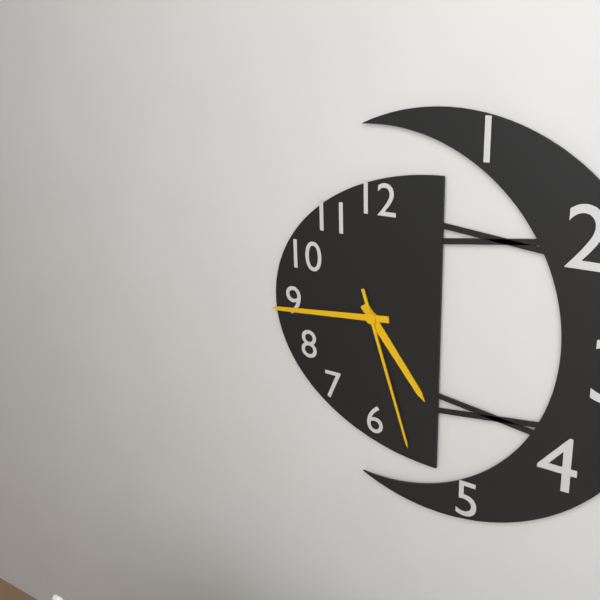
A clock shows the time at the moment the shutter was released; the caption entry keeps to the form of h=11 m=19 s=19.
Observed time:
h=4 m=44 s=27
